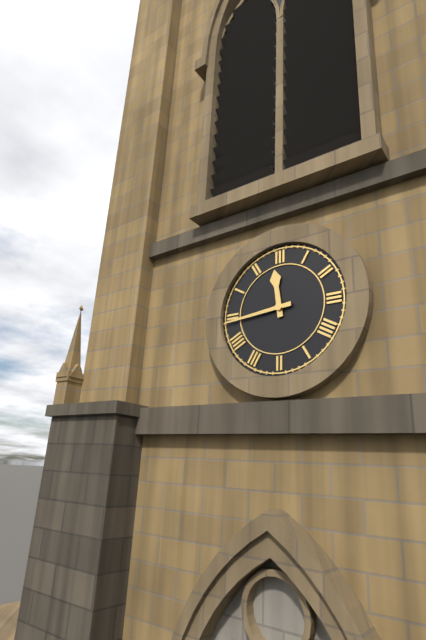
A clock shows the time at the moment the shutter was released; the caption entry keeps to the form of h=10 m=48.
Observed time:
h=11 m=44
